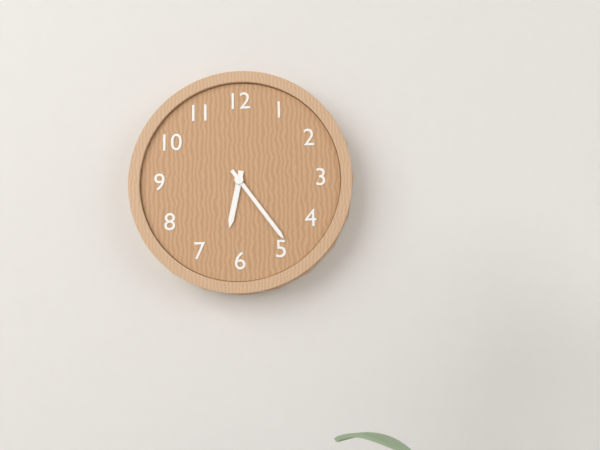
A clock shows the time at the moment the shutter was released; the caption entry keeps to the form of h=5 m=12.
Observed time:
h=6 m=24
